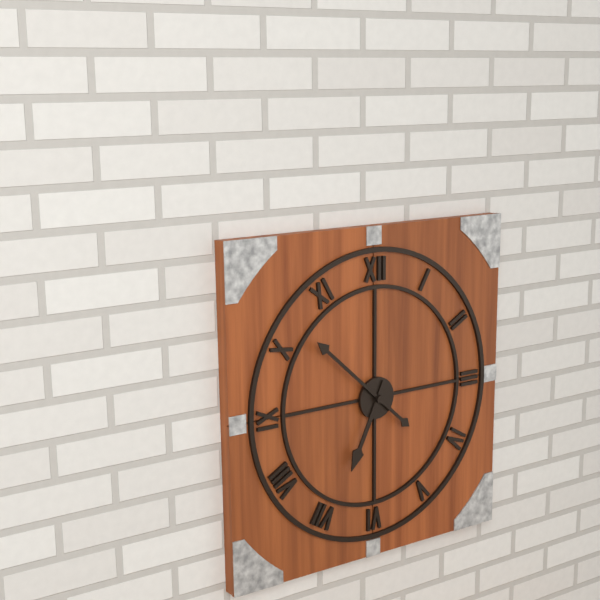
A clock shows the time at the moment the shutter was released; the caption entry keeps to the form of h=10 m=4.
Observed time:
h=6 m=52
